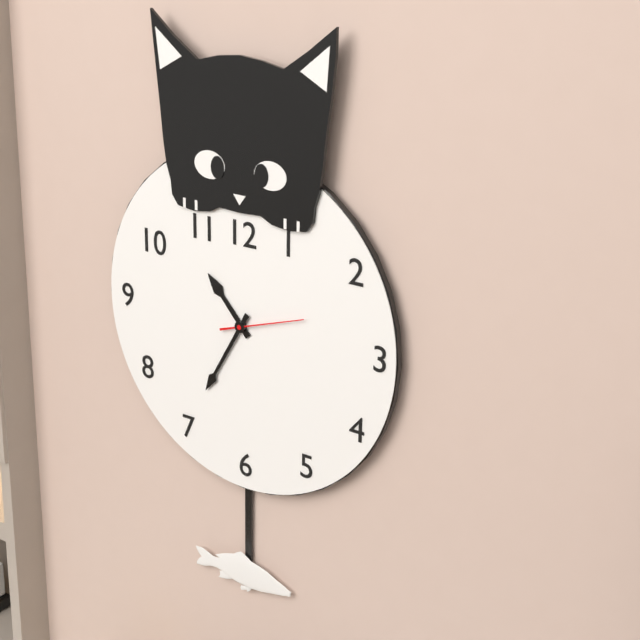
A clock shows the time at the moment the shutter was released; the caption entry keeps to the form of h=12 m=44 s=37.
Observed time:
h=10 m=35 s=12
